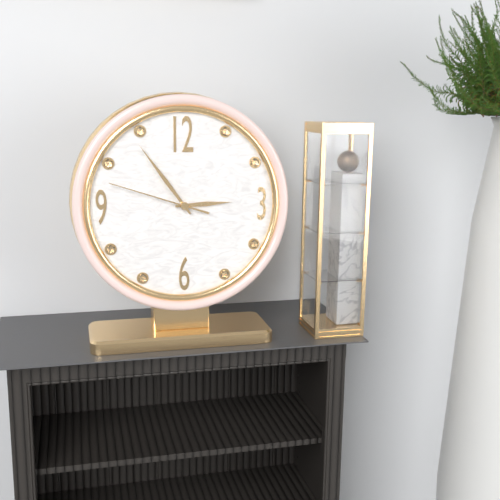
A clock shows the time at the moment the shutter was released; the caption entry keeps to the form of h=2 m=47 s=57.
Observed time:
h=2 m=54 s=48
